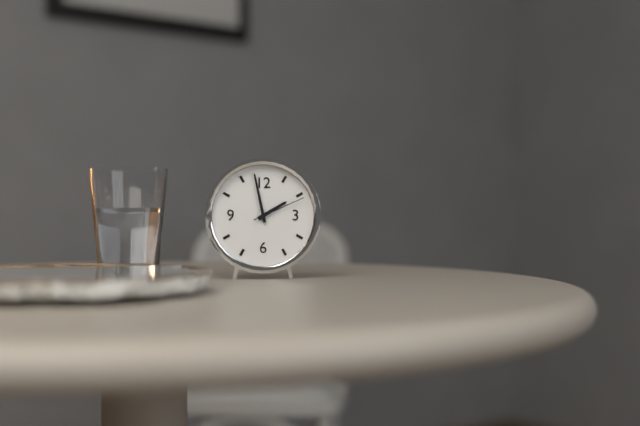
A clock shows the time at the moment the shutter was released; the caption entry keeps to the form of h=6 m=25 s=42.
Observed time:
h=1 m=58 s=11
